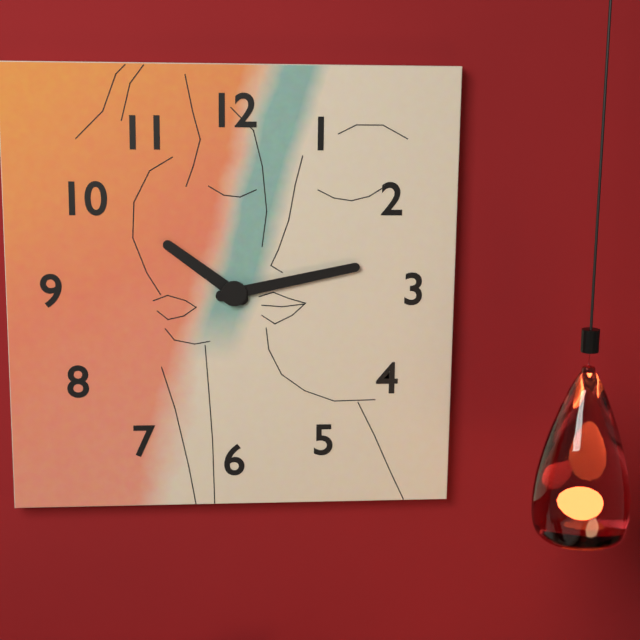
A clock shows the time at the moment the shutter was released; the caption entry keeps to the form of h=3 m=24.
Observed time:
h=10 m=13
